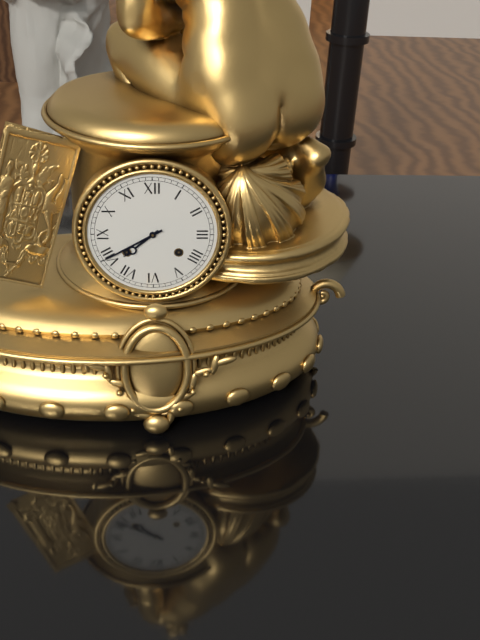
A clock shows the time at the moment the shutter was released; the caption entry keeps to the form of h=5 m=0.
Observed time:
h=7 m=40
